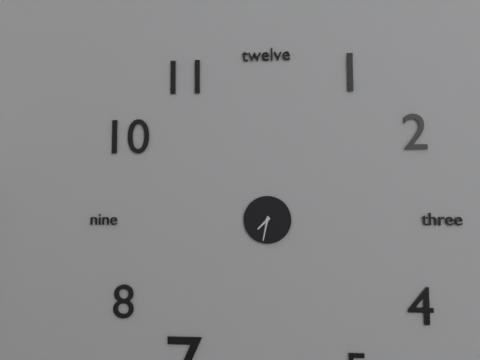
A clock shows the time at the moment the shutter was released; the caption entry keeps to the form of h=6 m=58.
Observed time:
h=7 m=32
